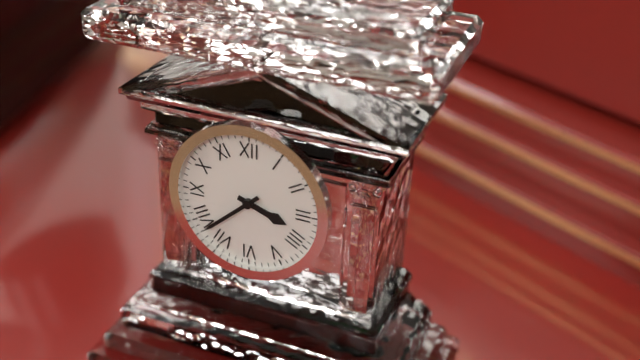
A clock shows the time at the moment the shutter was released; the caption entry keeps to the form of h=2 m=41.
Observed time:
h=3 m=38
